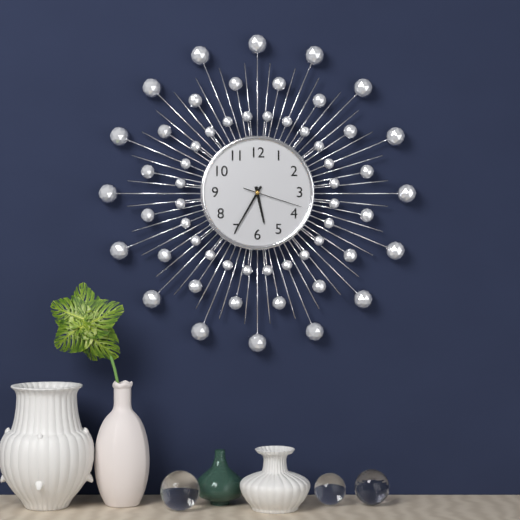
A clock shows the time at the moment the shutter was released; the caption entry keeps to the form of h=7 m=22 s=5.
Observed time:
h=5 m=35 s=18
